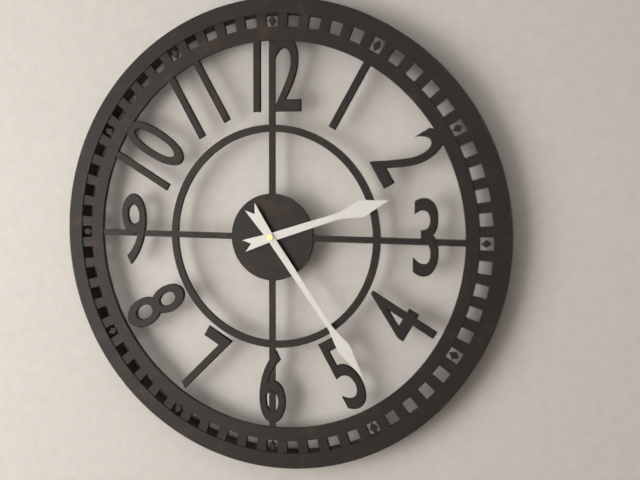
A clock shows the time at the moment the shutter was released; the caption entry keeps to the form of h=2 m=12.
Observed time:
h=2 m=24
